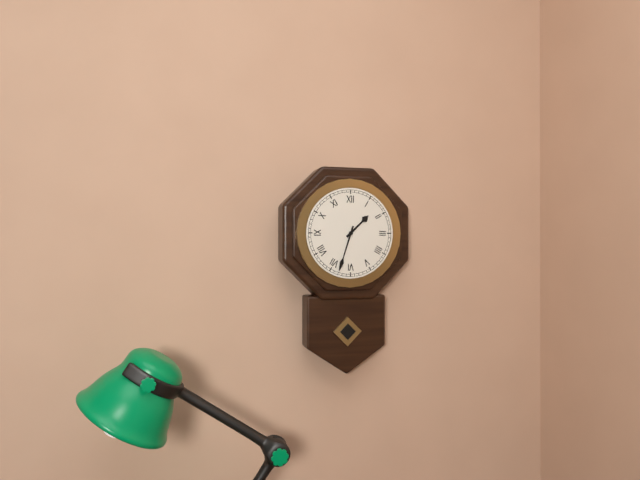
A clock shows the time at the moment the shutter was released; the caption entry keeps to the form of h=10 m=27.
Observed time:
h=1 m=33
